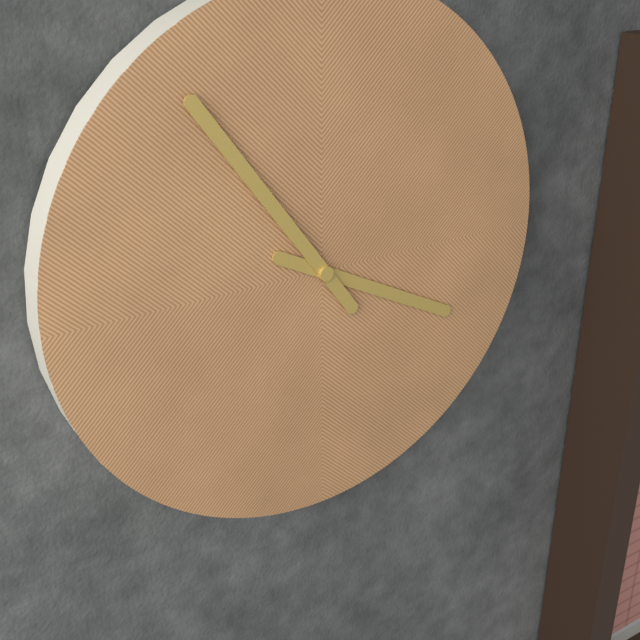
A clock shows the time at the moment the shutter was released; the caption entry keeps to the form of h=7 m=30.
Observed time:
h=3 m=54
